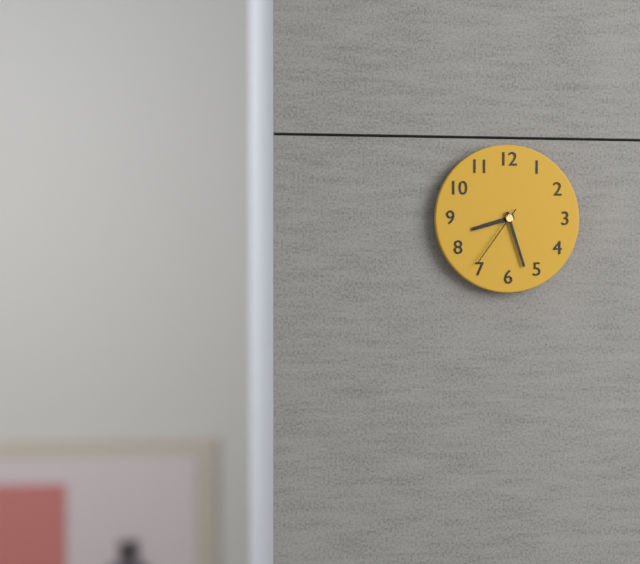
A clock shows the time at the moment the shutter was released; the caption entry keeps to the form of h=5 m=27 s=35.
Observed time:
h=8 m=27 s=36
